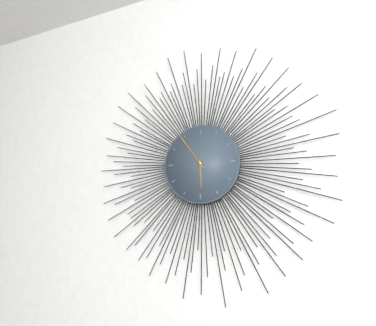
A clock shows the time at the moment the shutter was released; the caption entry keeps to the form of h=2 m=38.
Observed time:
h=5 m=54
